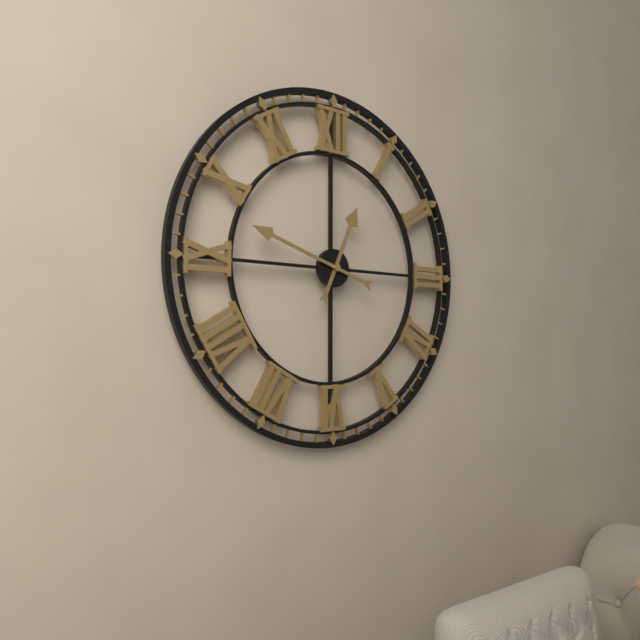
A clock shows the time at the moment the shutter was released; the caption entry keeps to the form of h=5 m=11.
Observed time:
h=12 m=48
